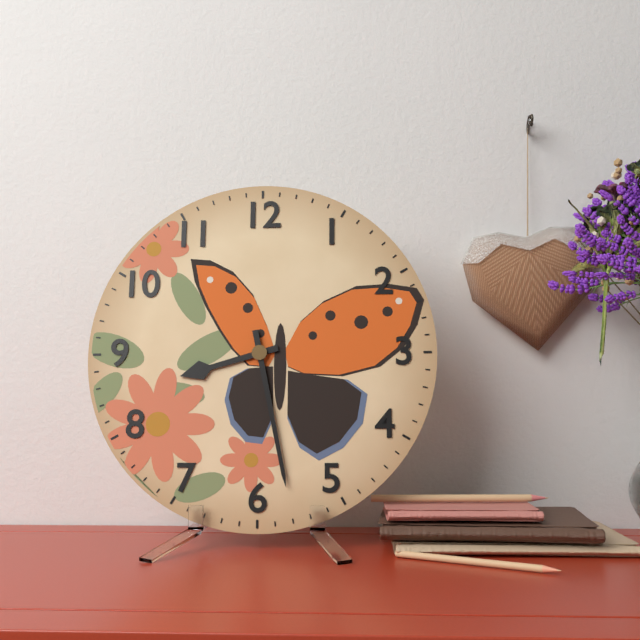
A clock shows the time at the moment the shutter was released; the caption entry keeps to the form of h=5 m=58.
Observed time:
h=8 m=28
